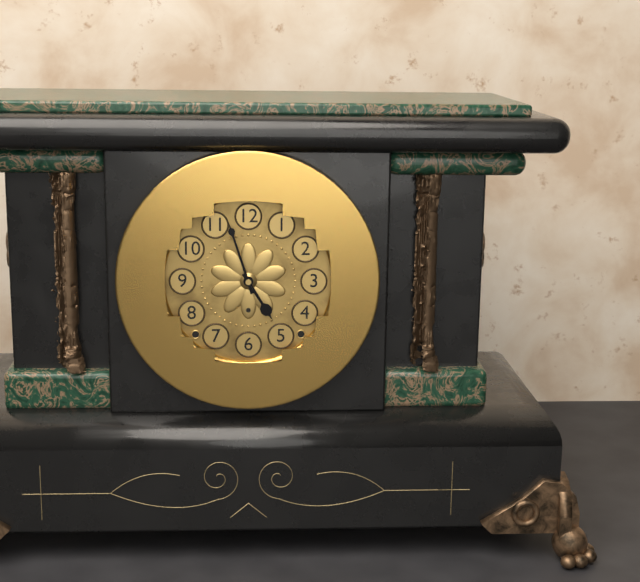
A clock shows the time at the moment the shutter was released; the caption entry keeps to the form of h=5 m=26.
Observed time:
h=4 m=57
